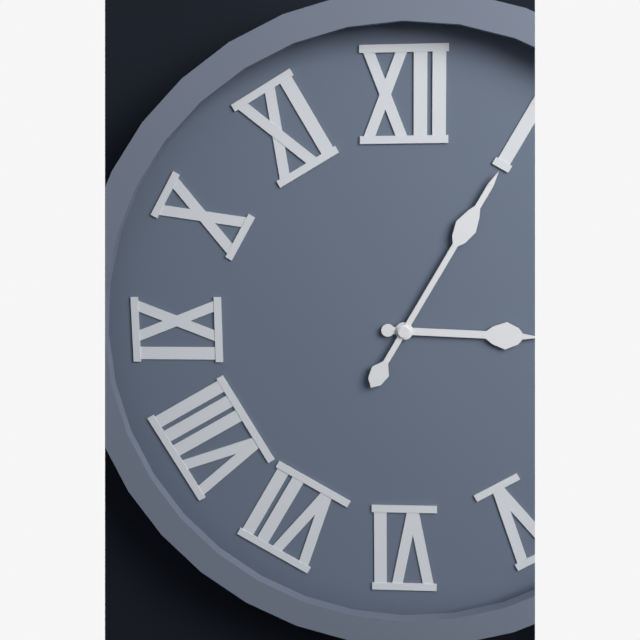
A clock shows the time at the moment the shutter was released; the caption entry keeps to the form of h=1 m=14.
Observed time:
h=3 m=5
